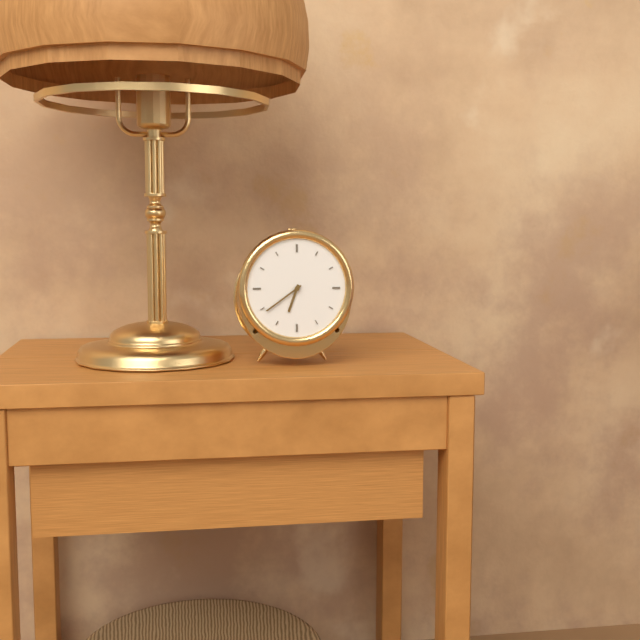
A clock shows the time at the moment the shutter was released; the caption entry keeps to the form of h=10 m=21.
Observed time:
h=6 m=39
